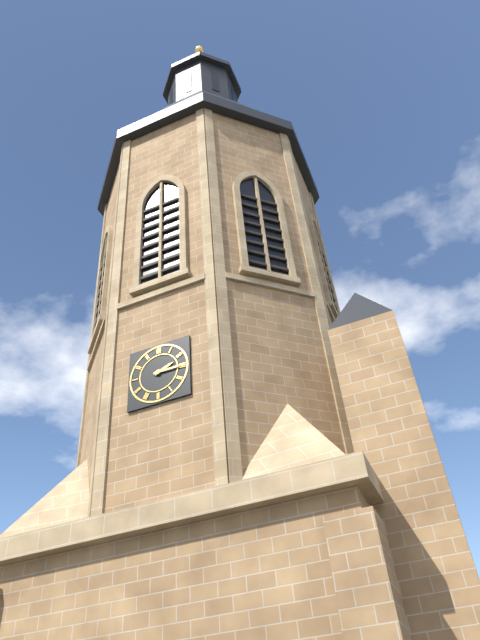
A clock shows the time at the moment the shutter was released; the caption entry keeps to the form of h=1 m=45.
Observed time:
h=2 m=15
